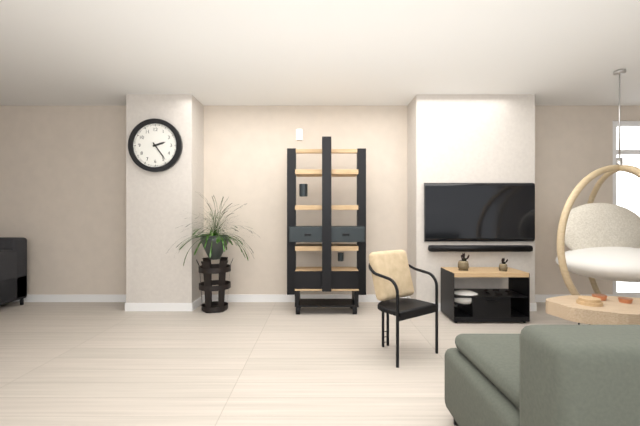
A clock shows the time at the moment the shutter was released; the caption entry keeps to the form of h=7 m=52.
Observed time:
h=2 m=24
